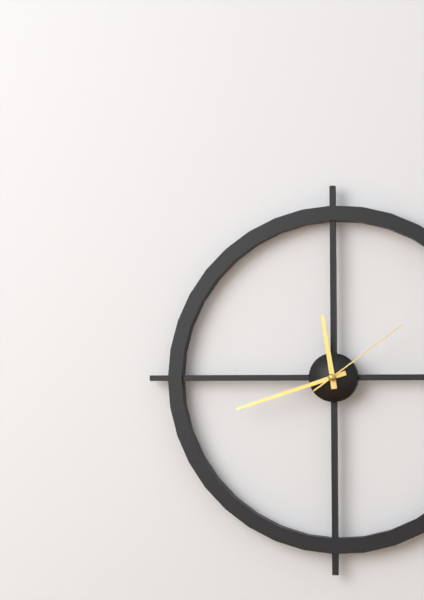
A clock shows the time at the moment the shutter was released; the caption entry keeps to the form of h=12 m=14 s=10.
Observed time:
h=11 m=42 s=9
